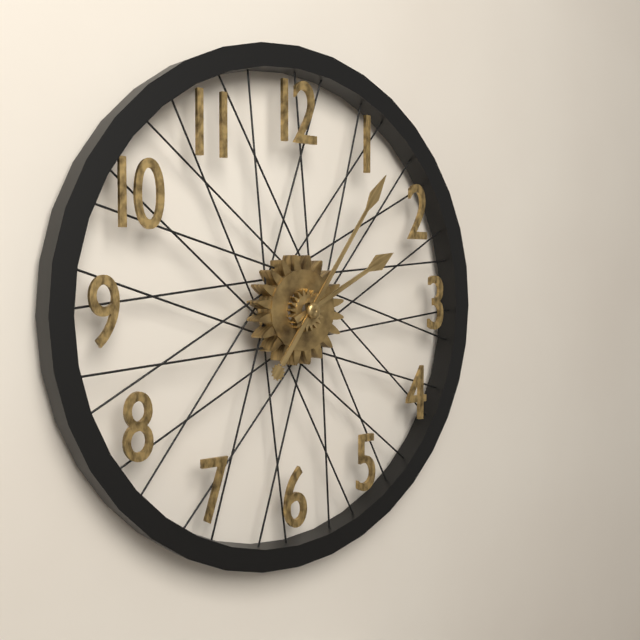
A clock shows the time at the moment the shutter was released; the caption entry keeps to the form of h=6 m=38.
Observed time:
h=2 m=6
